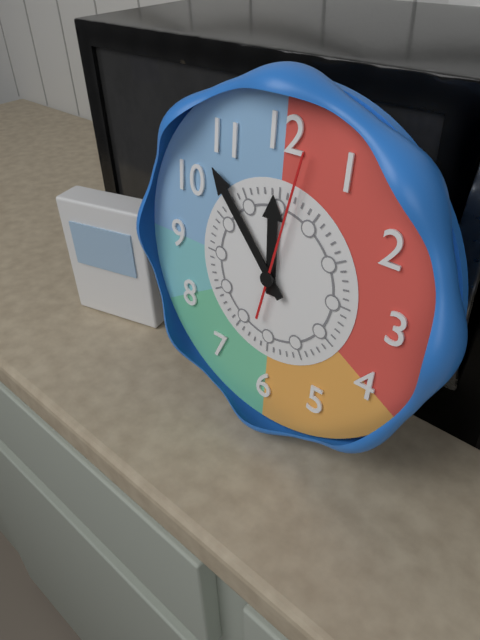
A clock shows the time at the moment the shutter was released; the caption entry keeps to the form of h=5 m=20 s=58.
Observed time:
h=11 m=53 s=2
